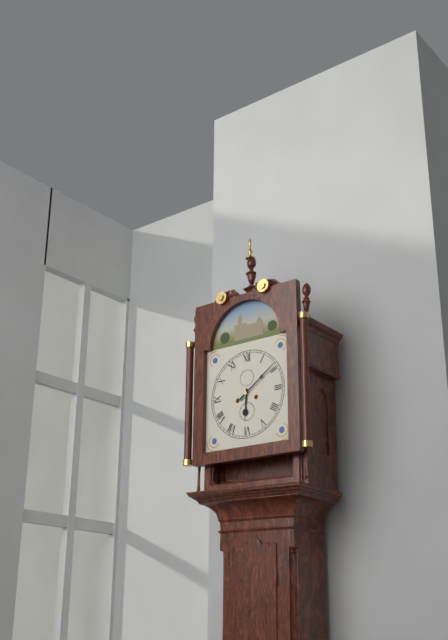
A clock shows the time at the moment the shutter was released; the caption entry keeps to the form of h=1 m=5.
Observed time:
h=6 m=9
